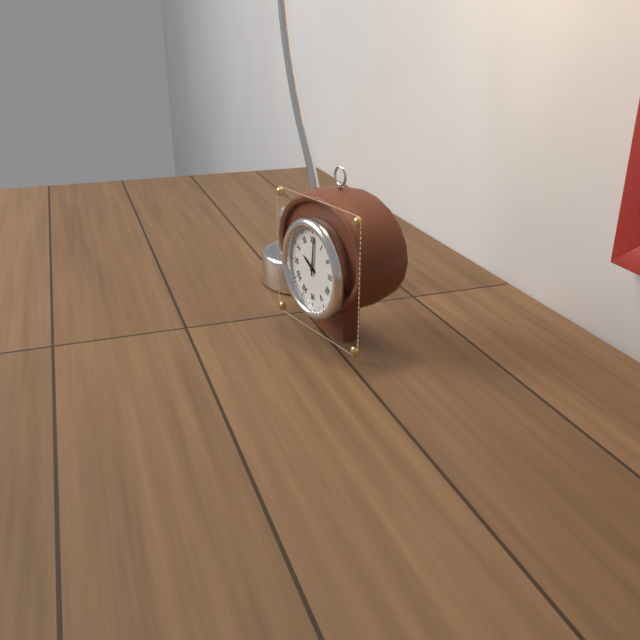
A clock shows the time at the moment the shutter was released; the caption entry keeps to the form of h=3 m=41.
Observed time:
h=10 m=1
